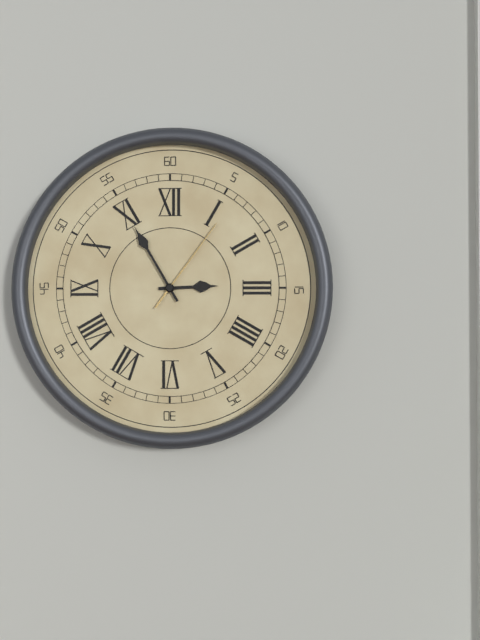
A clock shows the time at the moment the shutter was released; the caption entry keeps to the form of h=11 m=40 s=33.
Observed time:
h=2 m=55 s=6
